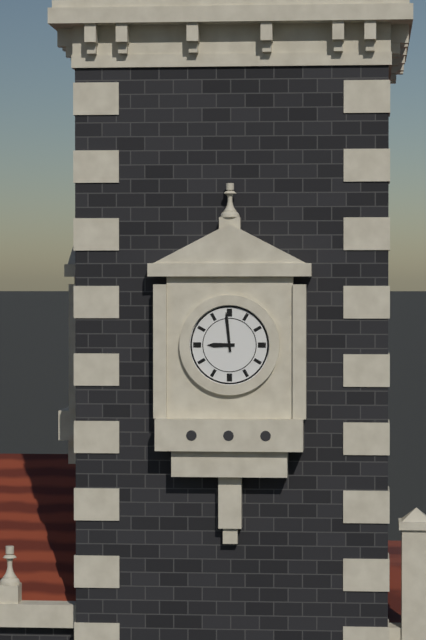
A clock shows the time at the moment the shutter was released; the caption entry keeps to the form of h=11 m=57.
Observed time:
h=8 m=59
